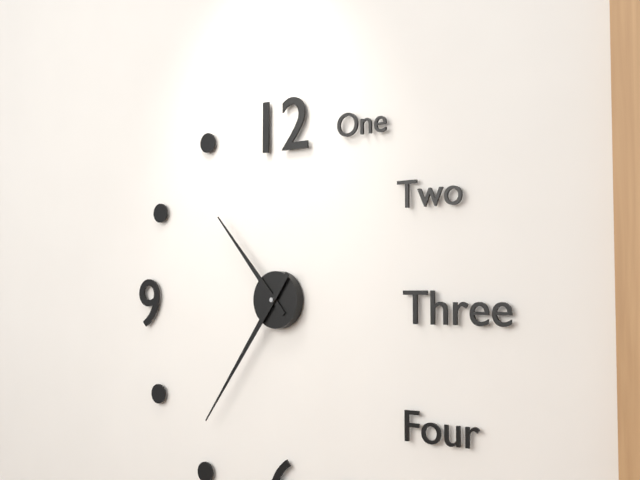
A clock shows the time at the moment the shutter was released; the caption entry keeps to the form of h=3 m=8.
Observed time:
h=10 m=36
